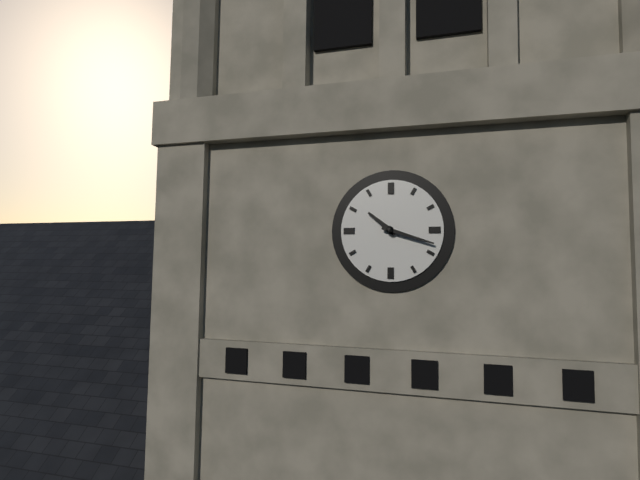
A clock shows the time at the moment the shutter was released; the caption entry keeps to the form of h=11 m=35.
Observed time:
h=10 m=18
